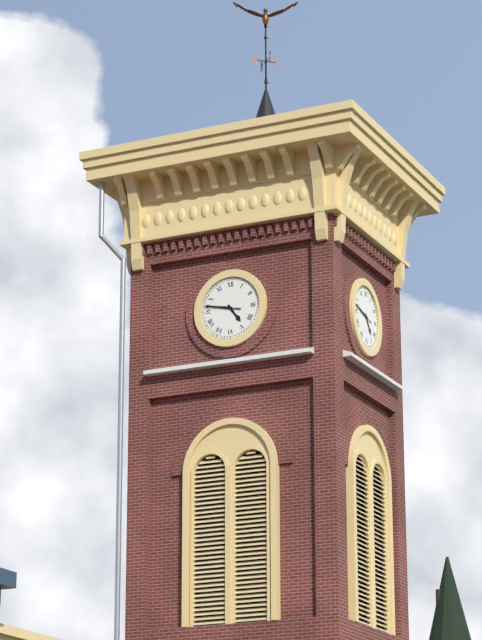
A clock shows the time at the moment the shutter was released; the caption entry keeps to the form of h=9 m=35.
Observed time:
h=4 m=47
